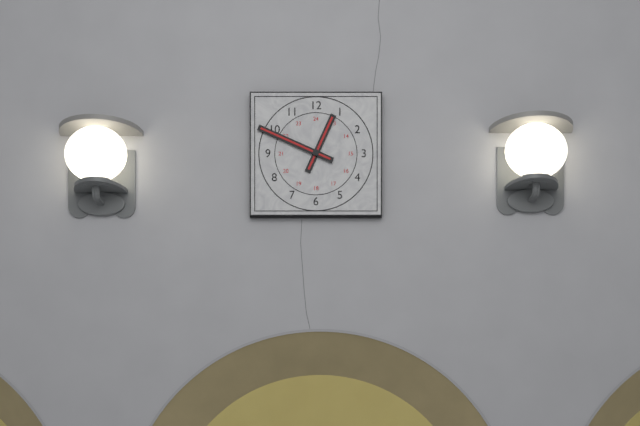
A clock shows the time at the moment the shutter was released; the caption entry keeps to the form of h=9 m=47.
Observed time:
h=12 m=49
